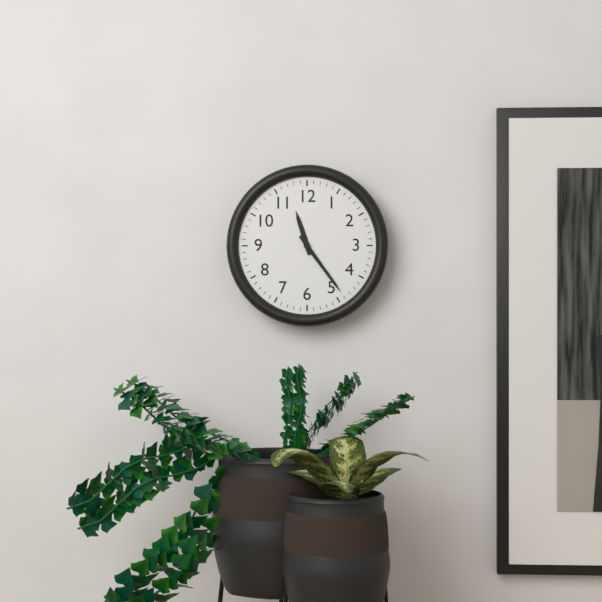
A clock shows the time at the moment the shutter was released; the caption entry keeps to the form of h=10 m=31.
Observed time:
h=11 m=24
